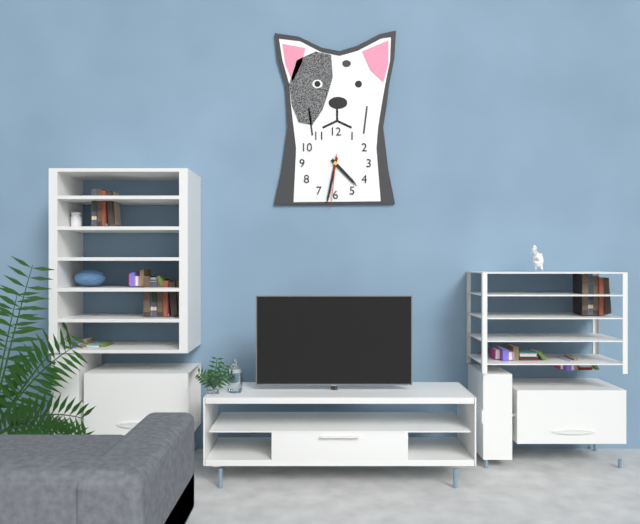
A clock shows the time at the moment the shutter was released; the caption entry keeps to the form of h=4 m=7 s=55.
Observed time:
h=4 m=32 s=31
